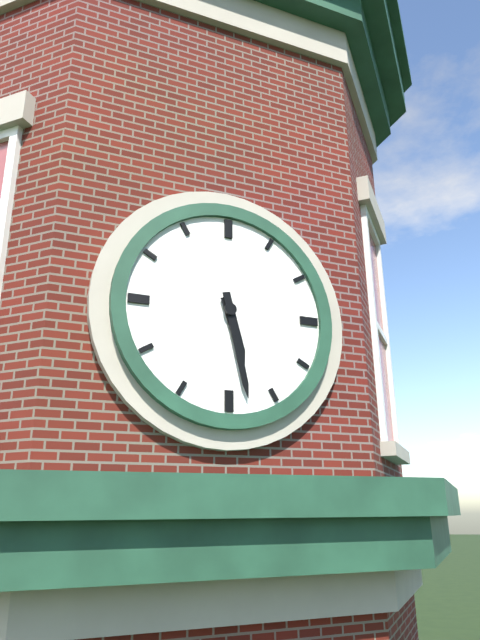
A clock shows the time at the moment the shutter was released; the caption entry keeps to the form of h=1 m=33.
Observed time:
h=5 m=28
